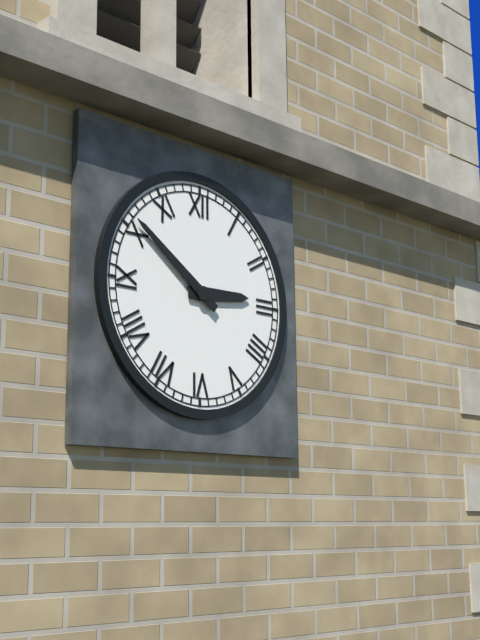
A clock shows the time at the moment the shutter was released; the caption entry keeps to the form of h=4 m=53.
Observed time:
h=2 m=51
